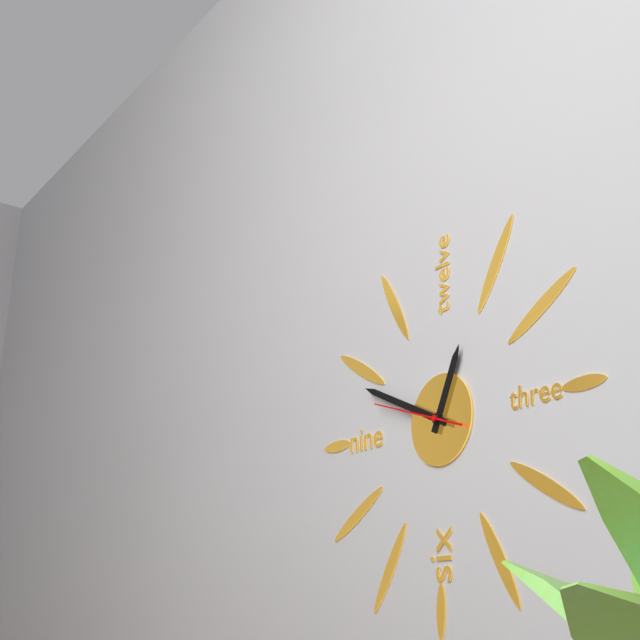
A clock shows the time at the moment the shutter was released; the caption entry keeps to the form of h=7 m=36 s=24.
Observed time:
h=12 m=49 s=48
